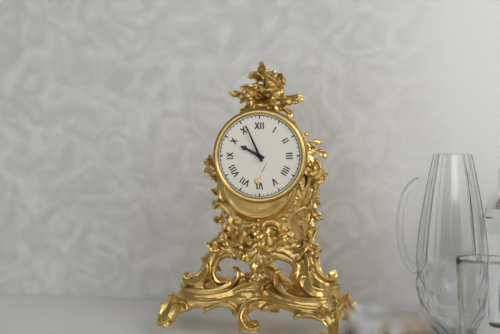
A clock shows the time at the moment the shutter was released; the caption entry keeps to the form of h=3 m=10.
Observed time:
h=9 m=56
